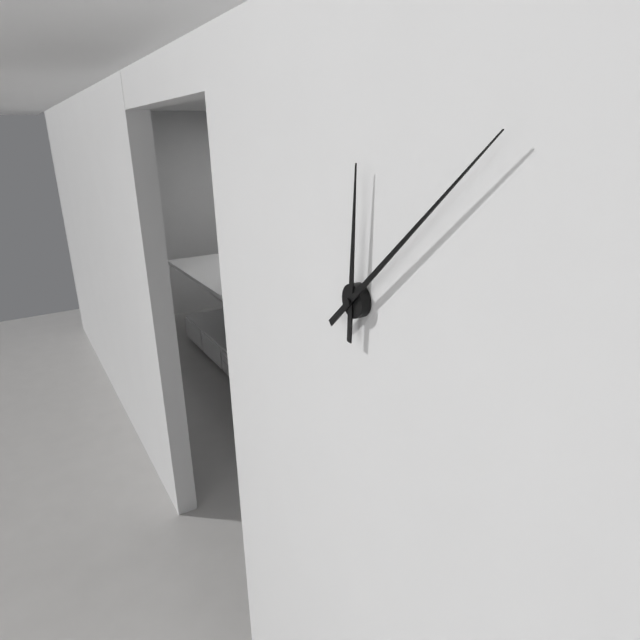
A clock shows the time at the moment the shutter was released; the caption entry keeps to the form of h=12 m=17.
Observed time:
h=12 m=8
